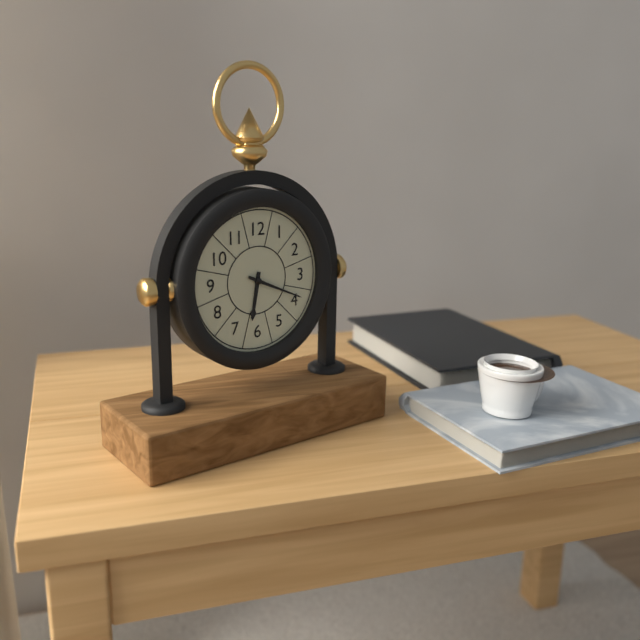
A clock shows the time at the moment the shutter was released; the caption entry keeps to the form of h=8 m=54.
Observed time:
h=6 m=19
